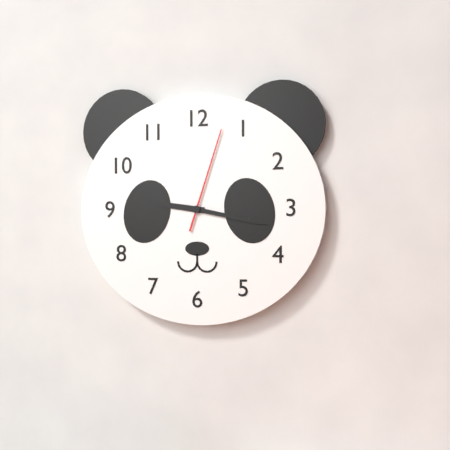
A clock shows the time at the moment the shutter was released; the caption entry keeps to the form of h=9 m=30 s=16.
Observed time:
h=9 m=17 s=3
